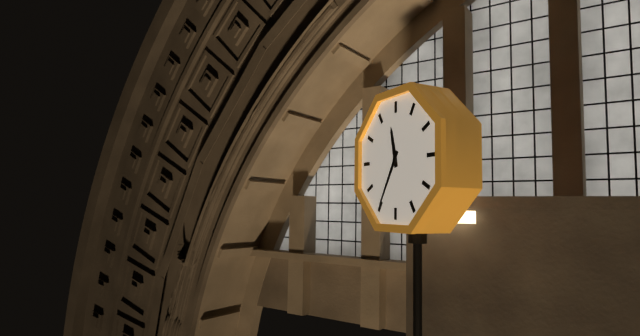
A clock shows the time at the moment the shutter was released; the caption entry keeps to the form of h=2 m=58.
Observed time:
h=11 m=35
